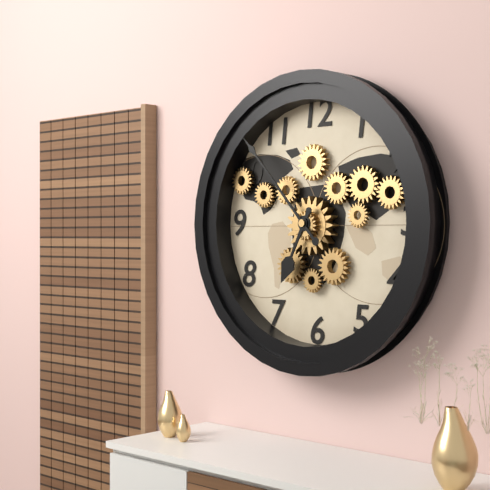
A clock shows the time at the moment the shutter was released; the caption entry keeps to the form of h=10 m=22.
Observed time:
h=6 m=53
